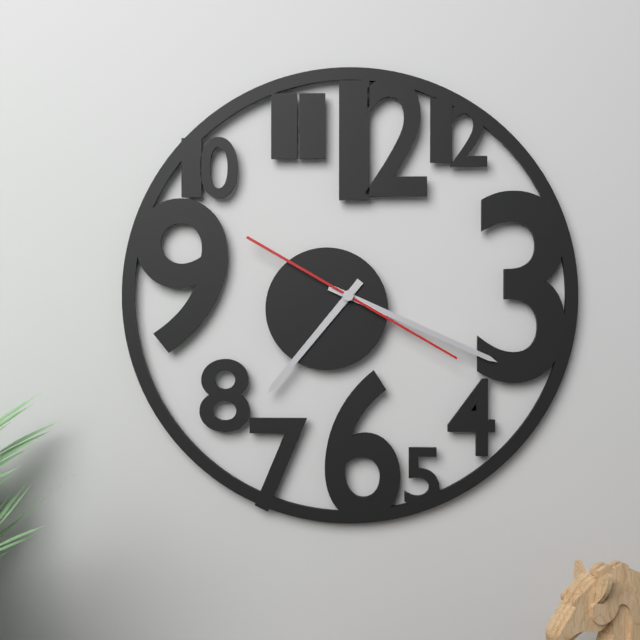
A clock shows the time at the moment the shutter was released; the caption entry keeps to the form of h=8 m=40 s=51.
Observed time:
h=7 m=19 s=20
